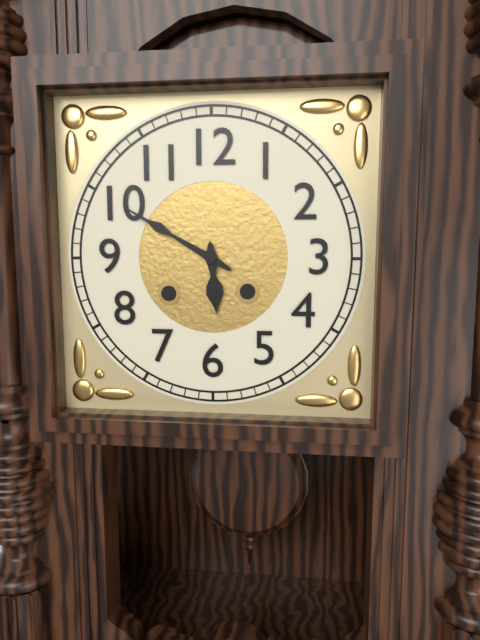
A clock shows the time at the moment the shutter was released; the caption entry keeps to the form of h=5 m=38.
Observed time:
h=5 m=50
